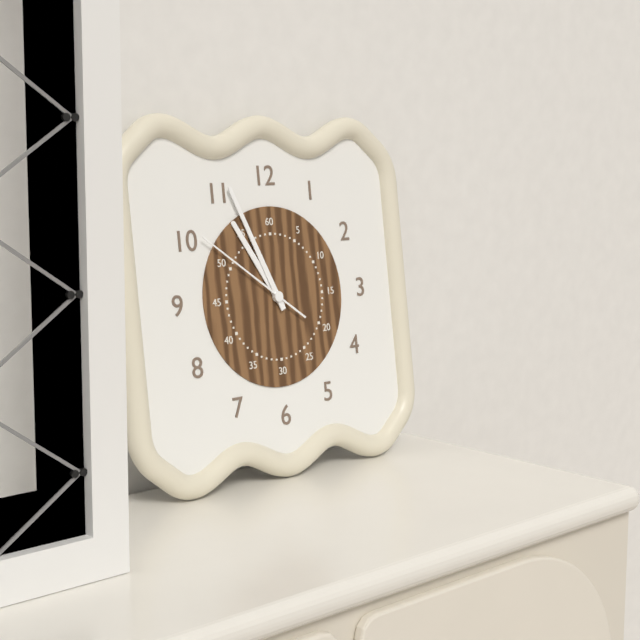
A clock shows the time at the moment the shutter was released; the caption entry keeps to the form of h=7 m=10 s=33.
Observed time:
h=10 m=56 s=51
